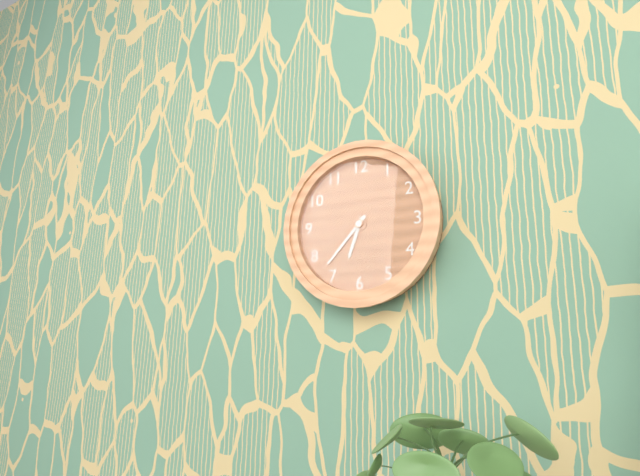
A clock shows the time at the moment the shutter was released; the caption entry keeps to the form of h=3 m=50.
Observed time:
h=6 m=37
